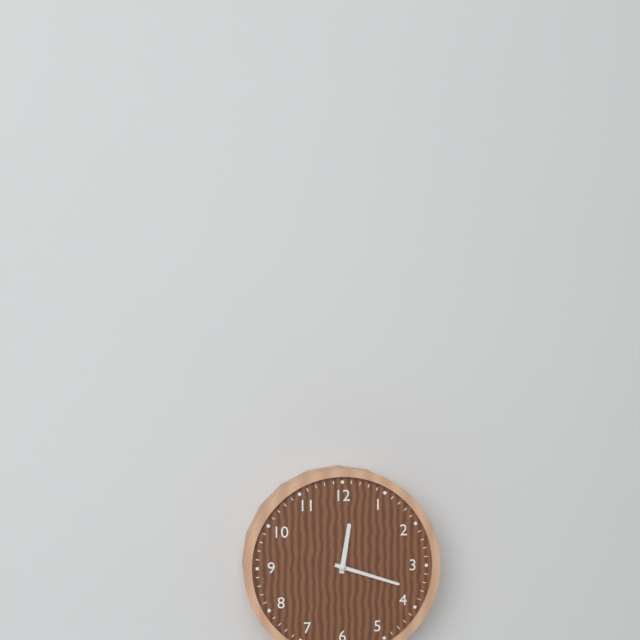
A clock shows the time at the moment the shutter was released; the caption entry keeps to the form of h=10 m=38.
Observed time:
h=12 m=18
